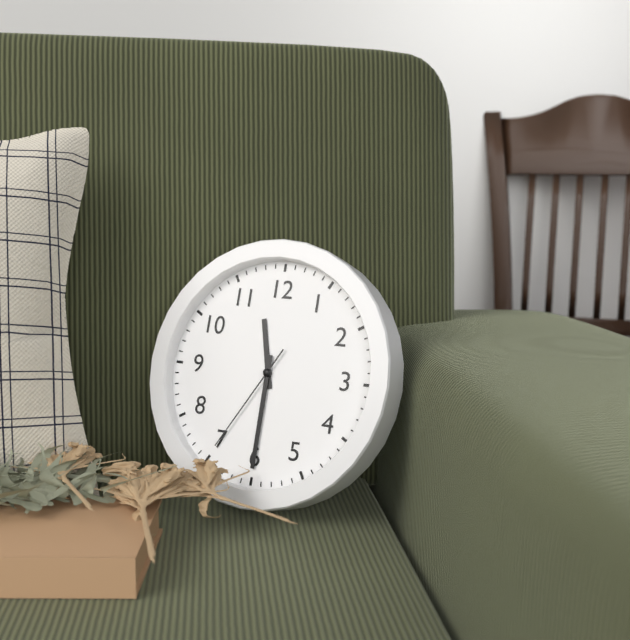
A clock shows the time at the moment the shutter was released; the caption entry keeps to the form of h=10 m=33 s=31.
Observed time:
h=11 m=30 s=35
